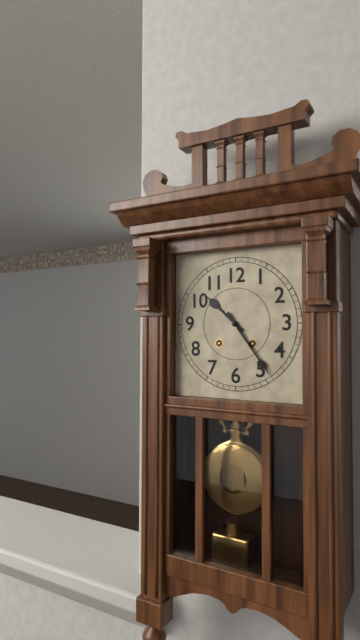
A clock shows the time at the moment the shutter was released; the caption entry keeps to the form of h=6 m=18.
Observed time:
h=10 m=24
